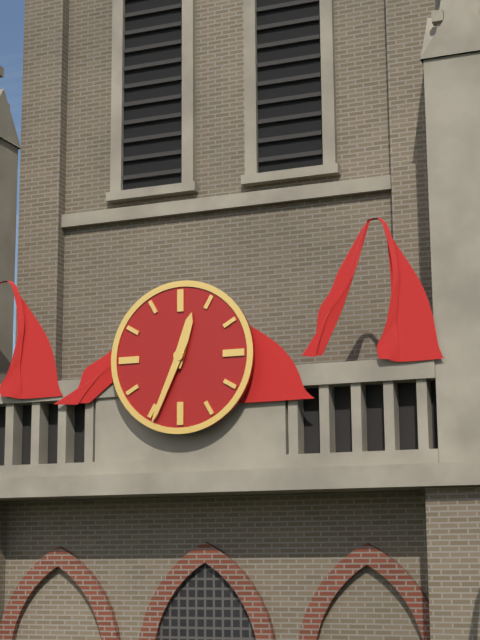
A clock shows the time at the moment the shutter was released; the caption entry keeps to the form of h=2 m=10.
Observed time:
h=12 m=34
